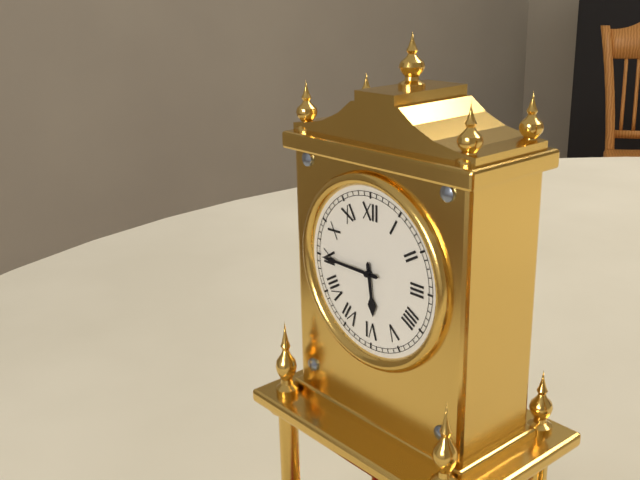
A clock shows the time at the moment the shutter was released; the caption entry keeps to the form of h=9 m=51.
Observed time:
h=5 m=45
